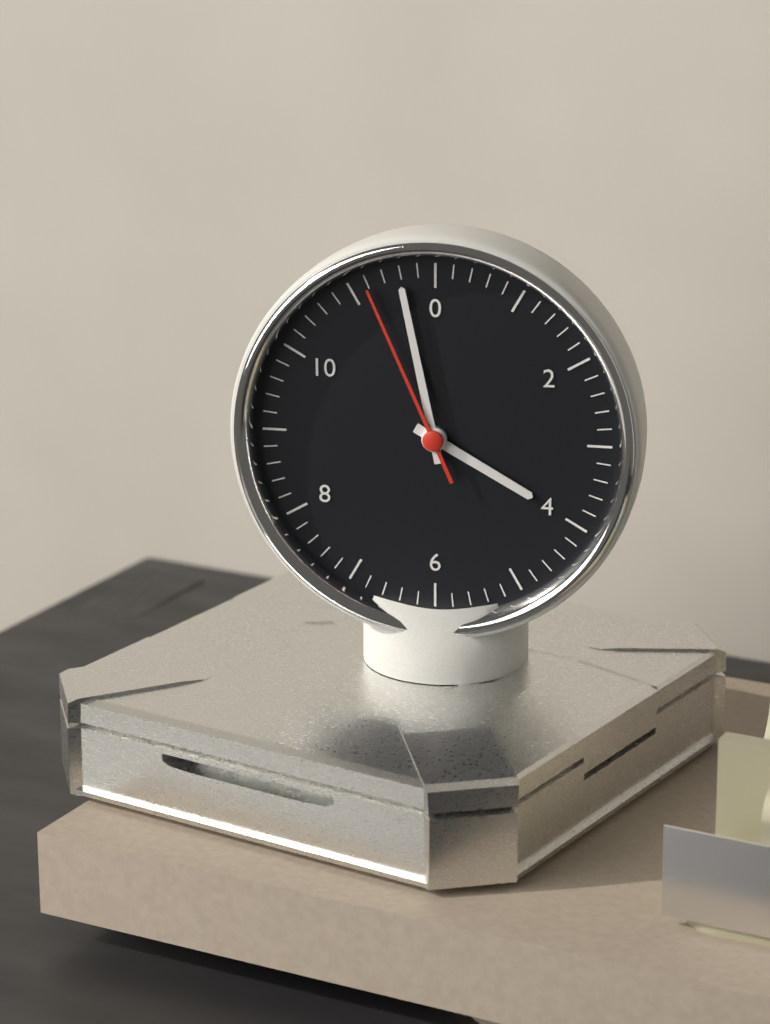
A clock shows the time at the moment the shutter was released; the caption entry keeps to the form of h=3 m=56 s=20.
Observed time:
h=3 m=58 s=56
